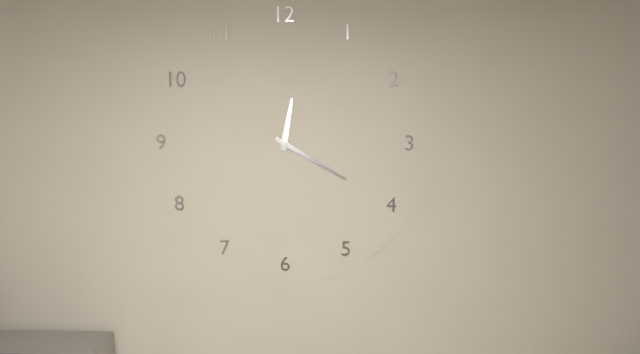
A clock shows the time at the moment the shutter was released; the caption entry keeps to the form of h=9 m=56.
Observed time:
h=12 m=20
